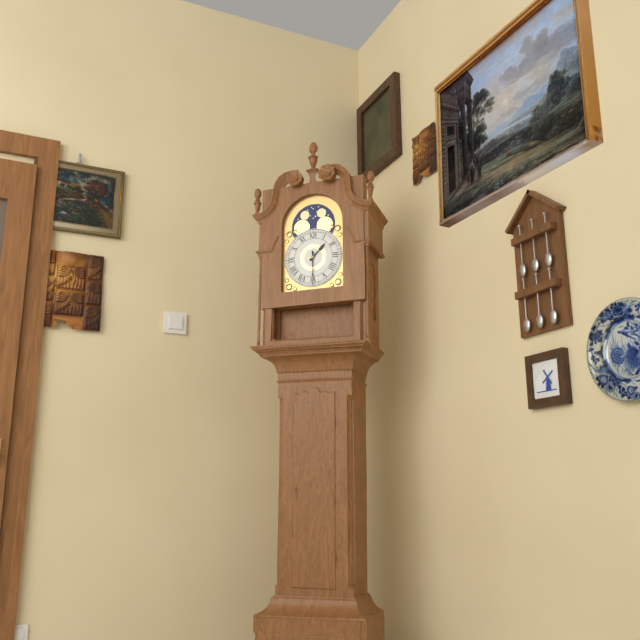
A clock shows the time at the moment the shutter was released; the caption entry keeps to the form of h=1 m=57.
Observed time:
h=1 m=30
